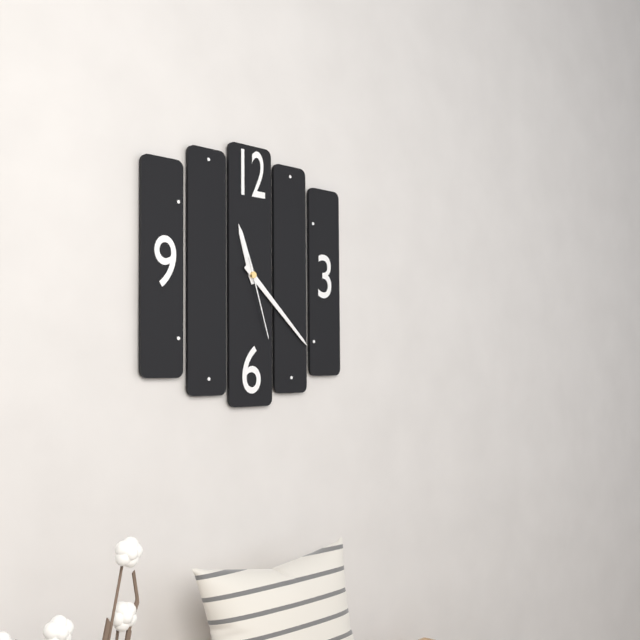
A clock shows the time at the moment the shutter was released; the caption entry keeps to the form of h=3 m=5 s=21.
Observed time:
h=11 m=22 s=27
